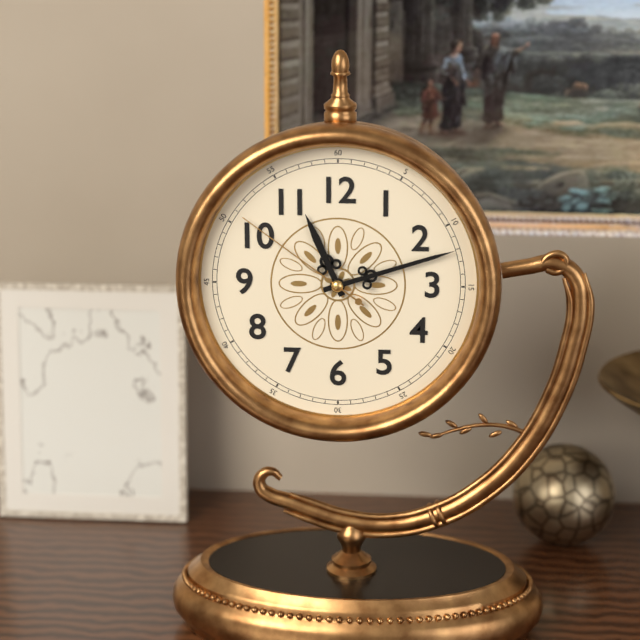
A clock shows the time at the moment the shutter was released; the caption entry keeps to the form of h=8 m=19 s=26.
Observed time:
h=11 m=12 s=51
